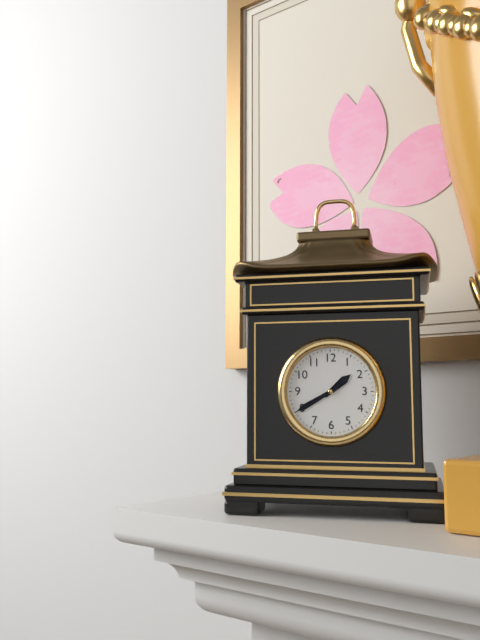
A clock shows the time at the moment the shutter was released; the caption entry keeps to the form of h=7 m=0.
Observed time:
h=1 m=40
